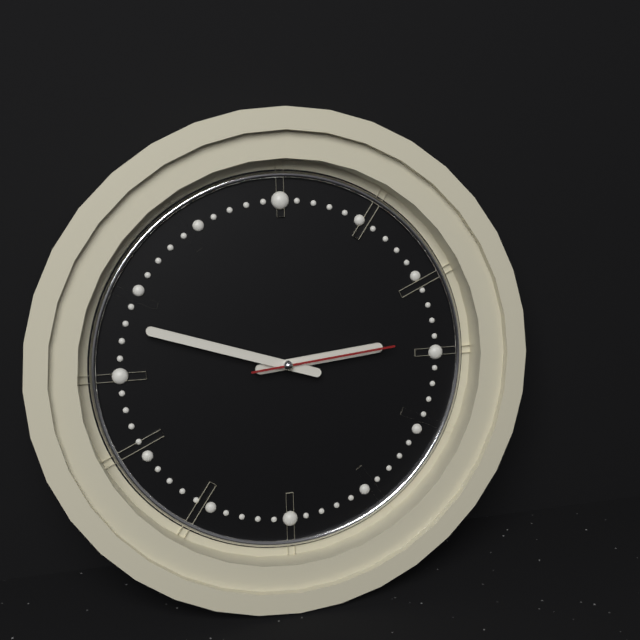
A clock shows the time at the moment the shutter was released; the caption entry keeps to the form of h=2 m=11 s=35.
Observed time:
h=2 m=48 s=14
